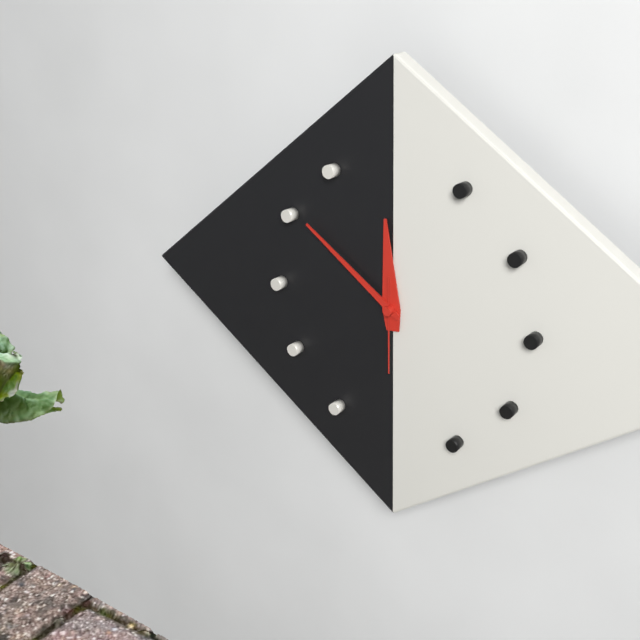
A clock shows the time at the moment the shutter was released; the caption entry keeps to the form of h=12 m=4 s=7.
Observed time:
h=11 m=51 s=30
